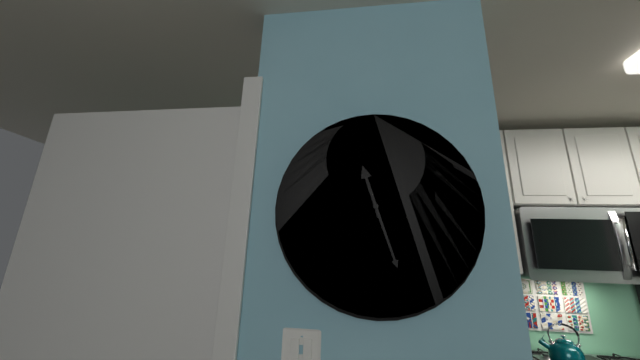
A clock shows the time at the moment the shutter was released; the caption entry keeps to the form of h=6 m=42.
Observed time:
h=11 m=27
